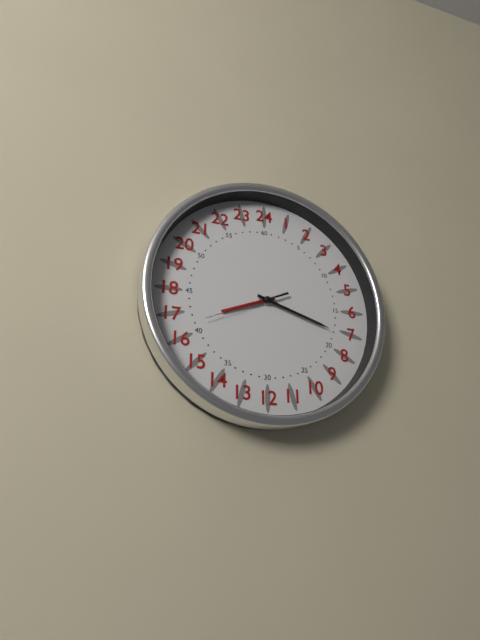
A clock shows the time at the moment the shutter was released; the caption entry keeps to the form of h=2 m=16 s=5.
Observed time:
h=8 m=18 s=41
